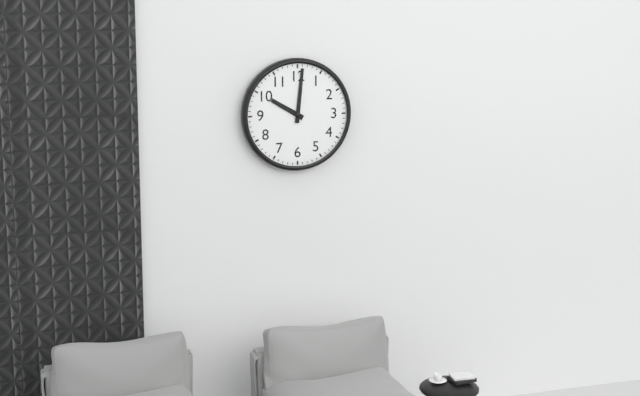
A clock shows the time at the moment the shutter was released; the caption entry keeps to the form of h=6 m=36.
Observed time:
h=10 m=1
